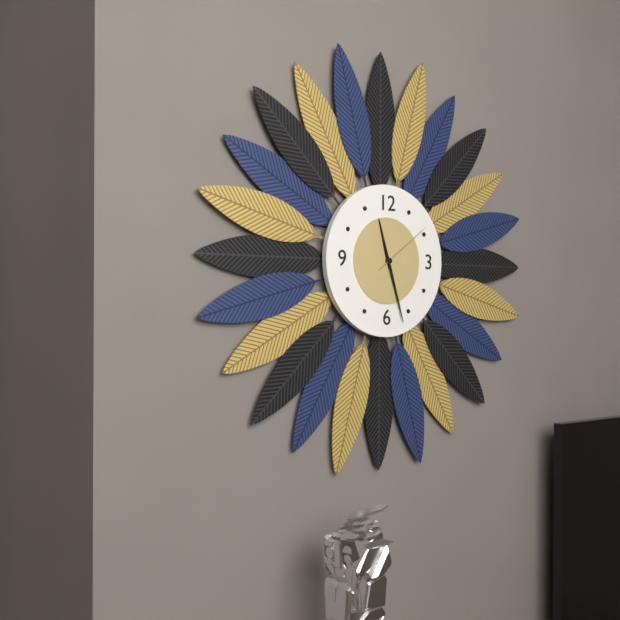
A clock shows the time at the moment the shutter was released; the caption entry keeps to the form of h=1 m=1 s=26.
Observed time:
h=11 m=27 s=9
